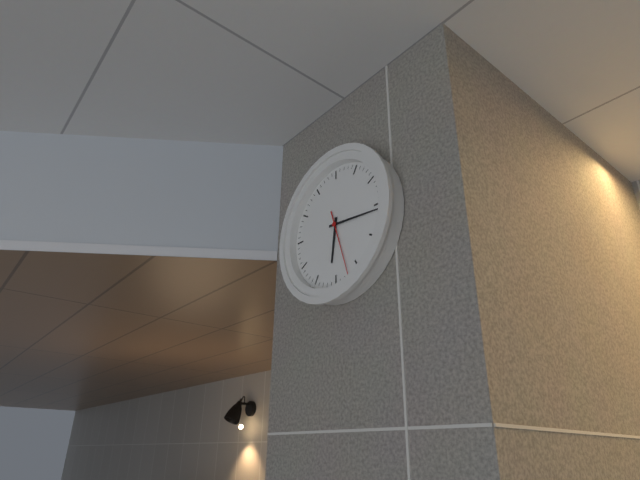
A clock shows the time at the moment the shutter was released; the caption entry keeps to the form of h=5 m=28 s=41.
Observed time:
h=6 m=16 s=27
